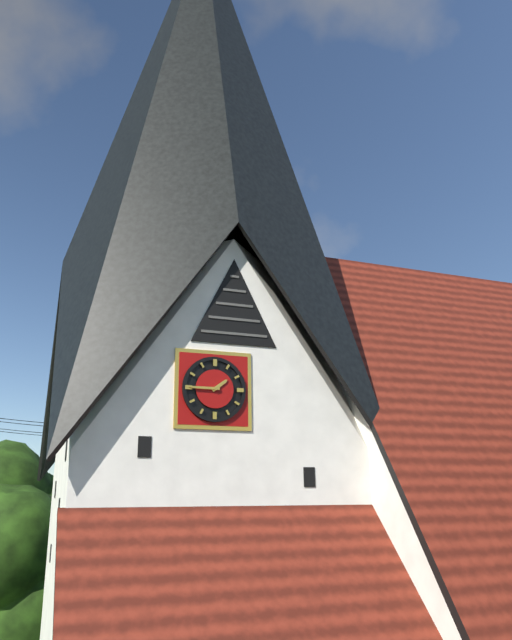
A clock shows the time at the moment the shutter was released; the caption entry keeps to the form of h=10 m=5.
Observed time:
h=1 m=45
